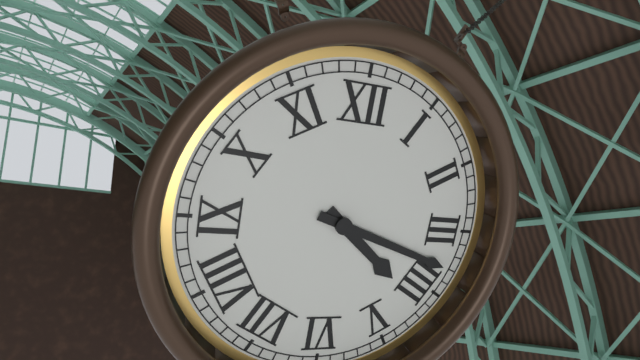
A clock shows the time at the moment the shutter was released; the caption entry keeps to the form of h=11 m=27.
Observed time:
h=4 m=18
